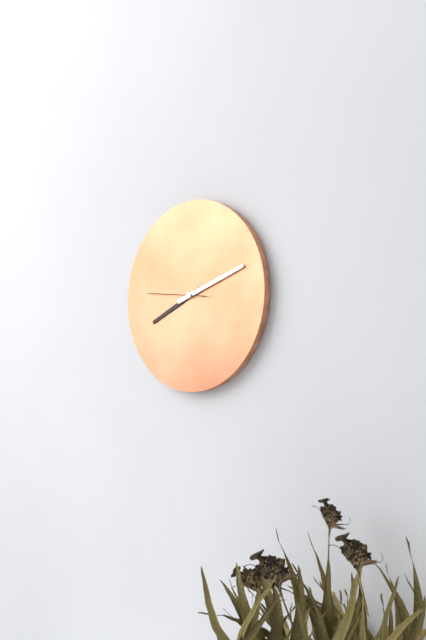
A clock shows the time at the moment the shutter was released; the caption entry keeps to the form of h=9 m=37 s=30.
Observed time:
h=8 m=12 s=46
